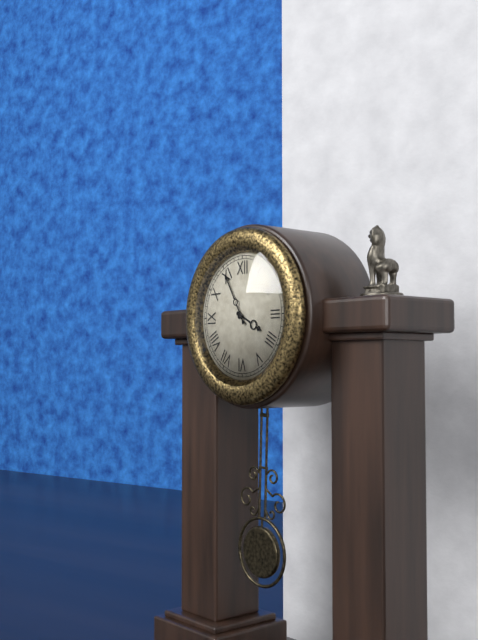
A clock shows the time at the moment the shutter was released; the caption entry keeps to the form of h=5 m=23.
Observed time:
h=3 m=55
